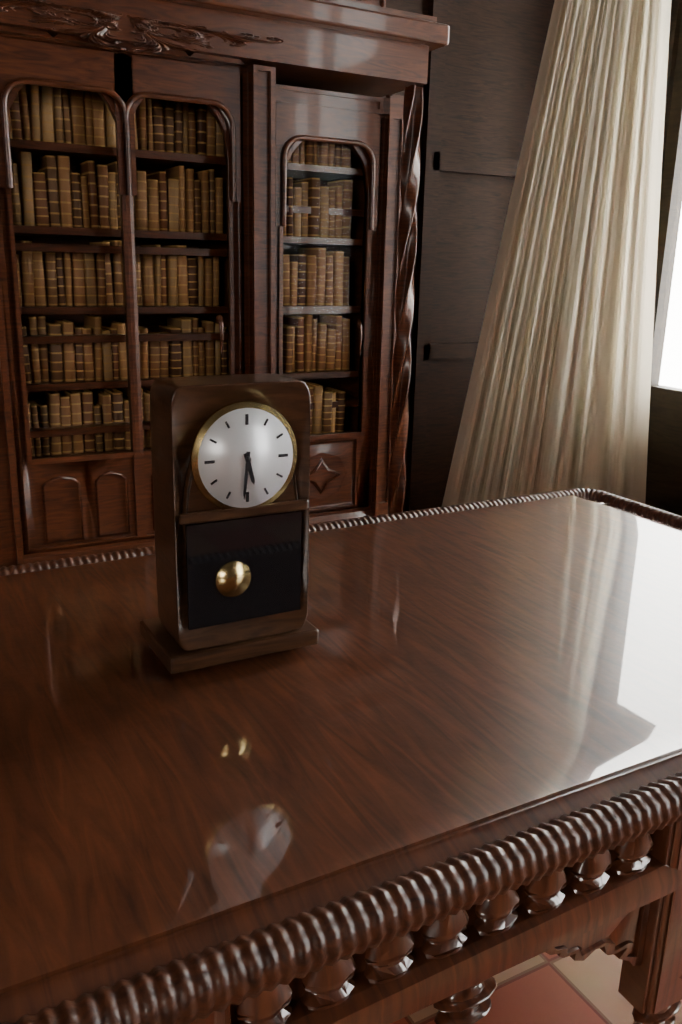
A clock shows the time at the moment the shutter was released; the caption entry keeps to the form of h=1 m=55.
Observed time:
h=5 m=31
